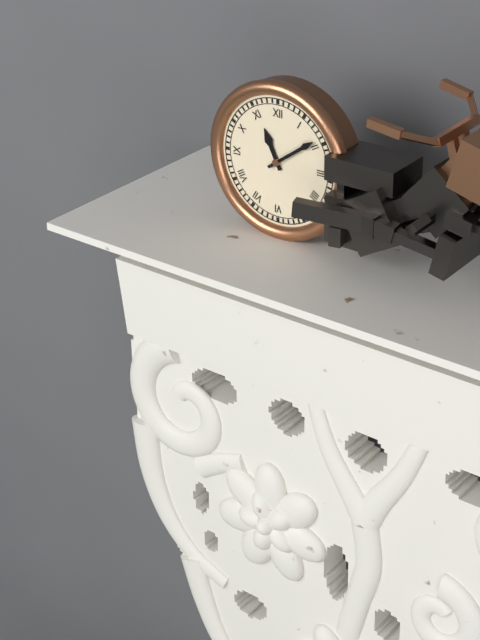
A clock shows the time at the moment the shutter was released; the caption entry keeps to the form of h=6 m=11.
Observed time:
h=11 m=9
